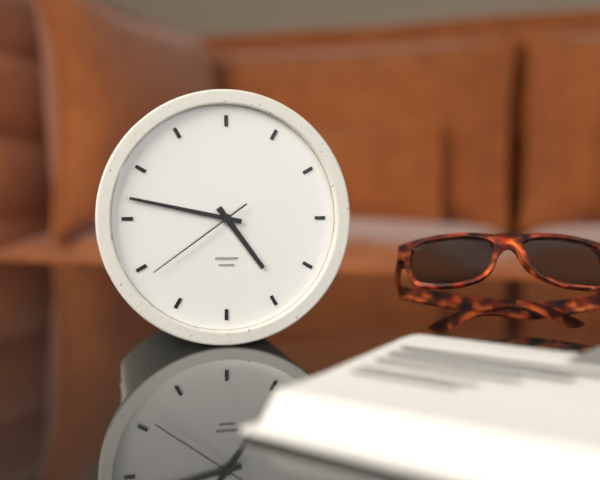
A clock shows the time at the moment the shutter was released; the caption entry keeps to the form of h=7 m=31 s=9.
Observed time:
h=4 m=47 s=39
